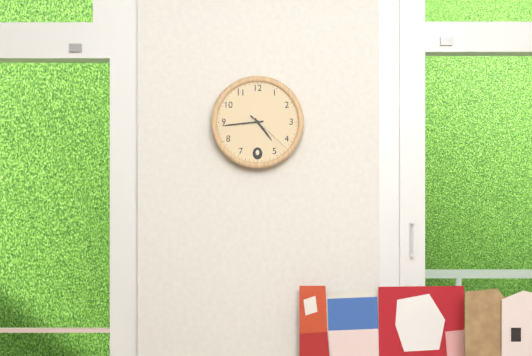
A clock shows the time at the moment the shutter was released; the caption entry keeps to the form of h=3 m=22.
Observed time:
h=4 m=44
